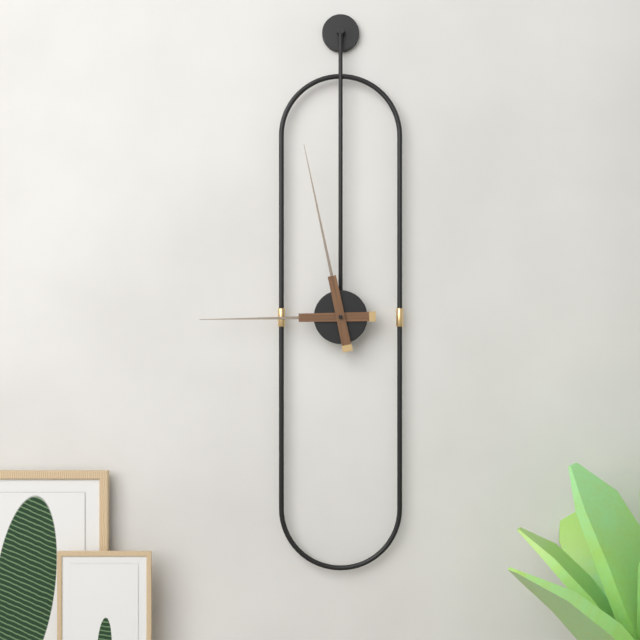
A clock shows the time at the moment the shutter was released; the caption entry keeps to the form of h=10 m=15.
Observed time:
h=8 m=58
